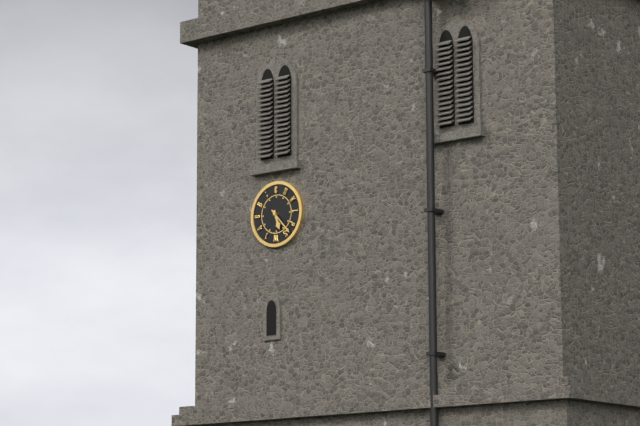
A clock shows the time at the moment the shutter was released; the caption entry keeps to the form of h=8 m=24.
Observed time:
h=5 m=23
